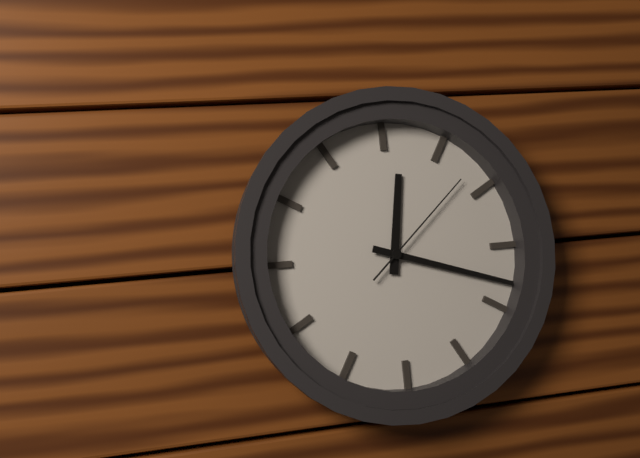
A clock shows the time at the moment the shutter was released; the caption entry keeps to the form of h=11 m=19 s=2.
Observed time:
h=12 m=18 s=8
